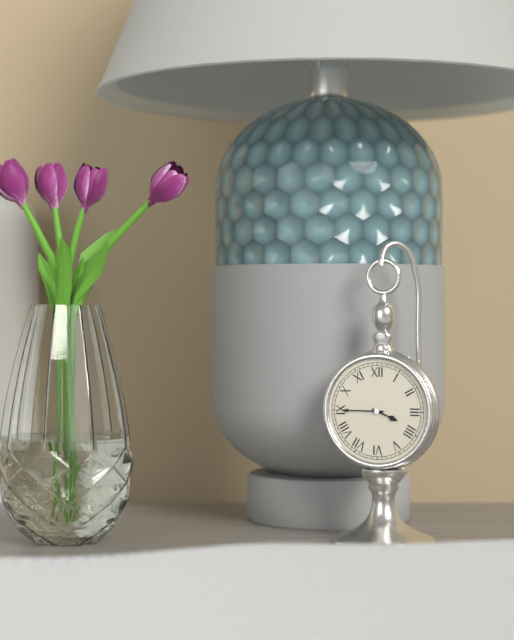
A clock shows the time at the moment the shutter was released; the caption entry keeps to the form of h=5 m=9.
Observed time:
h=3 m=45
